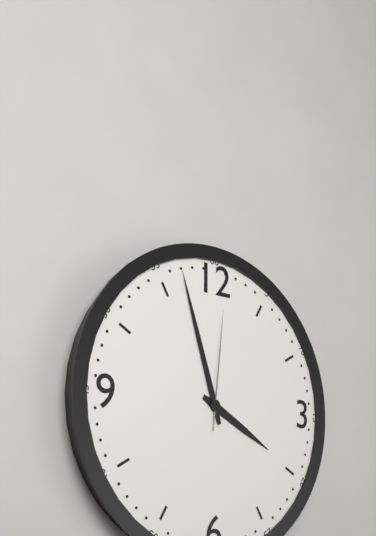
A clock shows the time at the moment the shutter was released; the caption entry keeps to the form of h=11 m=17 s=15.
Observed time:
h=3 m=57 s=1
